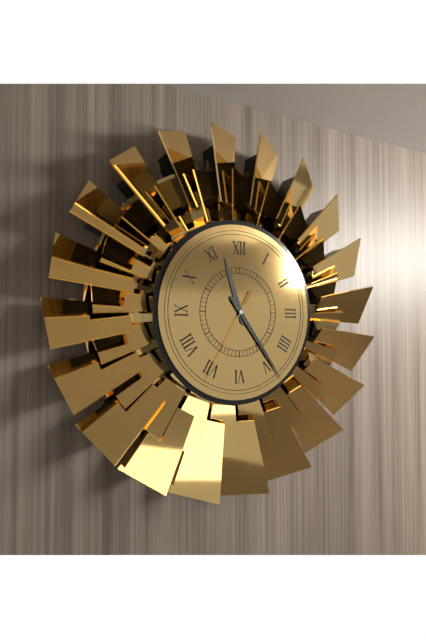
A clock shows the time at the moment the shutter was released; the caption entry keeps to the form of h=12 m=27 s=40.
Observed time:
h=11 m=24 s=35
